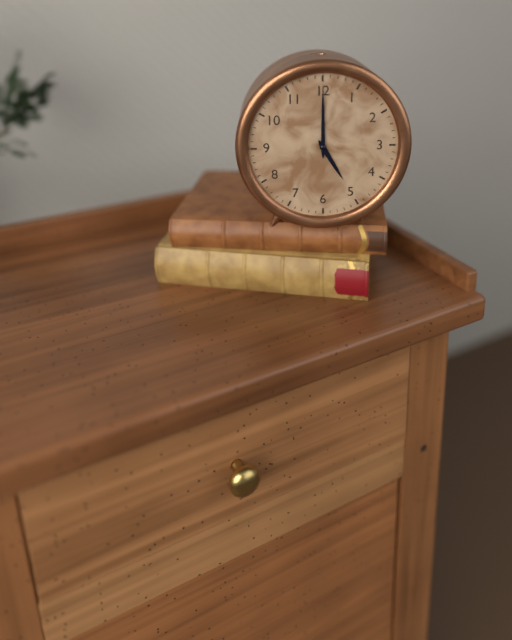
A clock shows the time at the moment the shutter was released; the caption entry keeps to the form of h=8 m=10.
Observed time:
h=5 m=0
